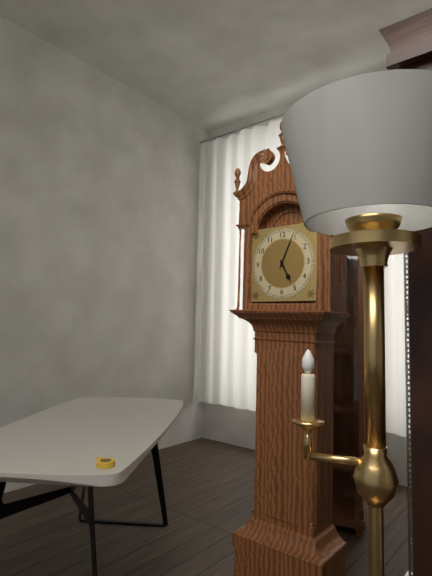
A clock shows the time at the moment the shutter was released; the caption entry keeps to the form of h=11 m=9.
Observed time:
h=5 m=4
